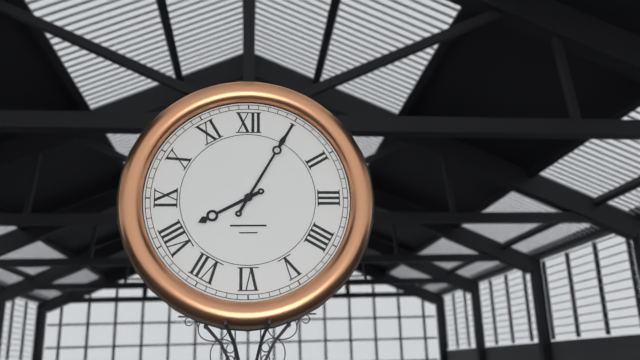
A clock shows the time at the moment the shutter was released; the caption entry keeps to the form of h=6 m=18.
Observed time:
h=8 m=5
